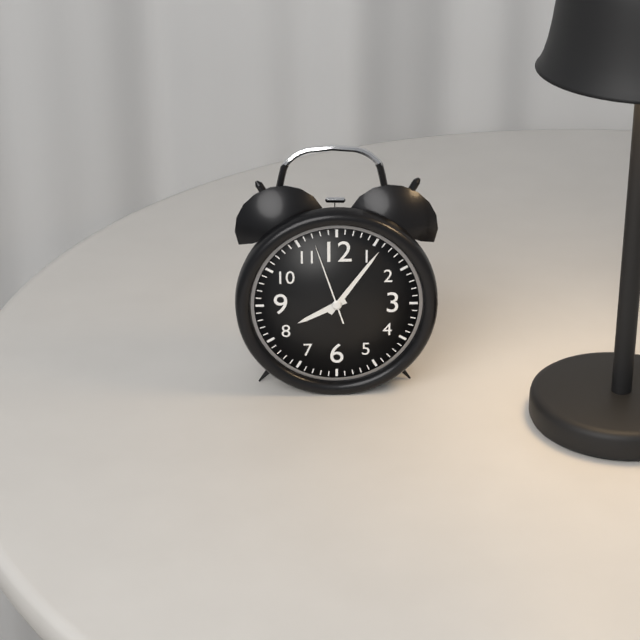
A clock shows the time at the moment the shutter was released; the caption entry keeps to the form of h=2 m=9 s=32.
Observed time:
h=8 m=6 s=57
